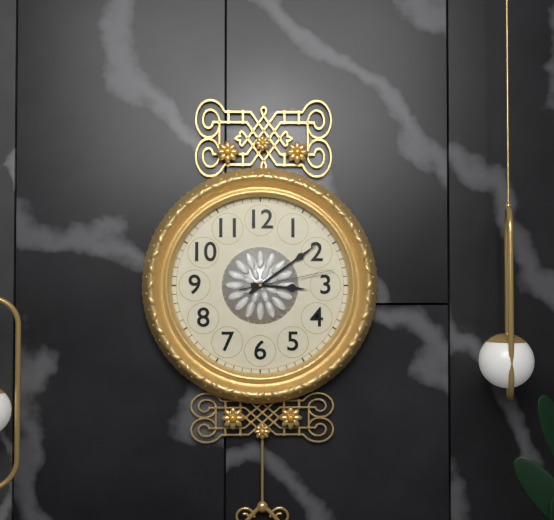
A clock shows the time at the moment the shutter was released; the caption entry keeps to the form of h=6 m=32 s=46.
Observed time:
h=3 m=9 s=13
